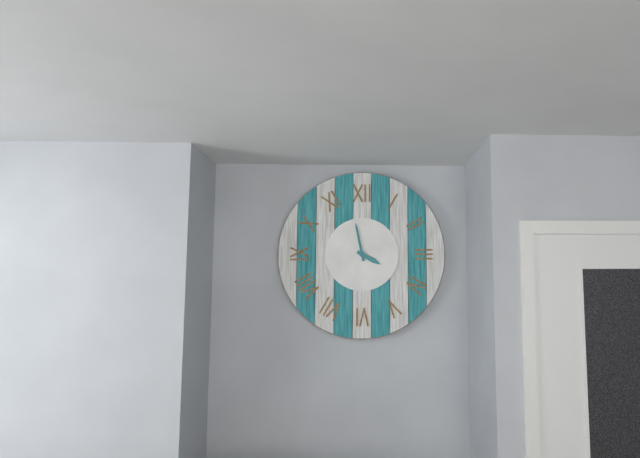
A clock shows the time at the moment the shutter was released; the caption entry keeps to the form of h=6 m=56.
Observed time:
h=3 m=58
